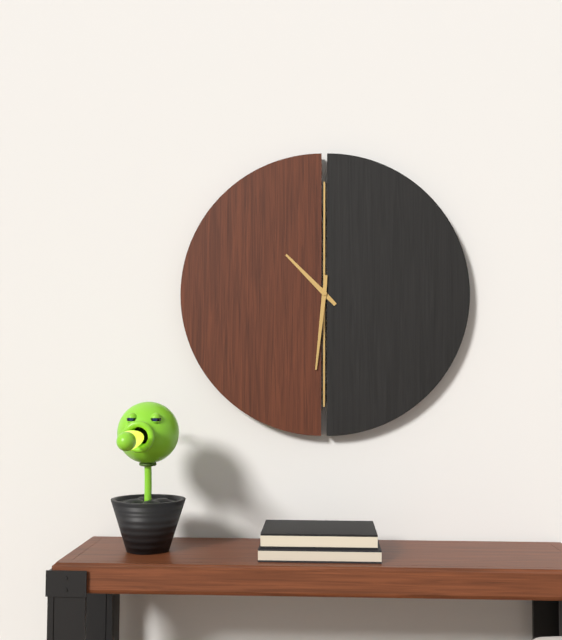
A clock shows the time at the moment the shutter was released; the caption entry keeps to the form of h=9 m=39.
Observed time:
h=10 m=31
